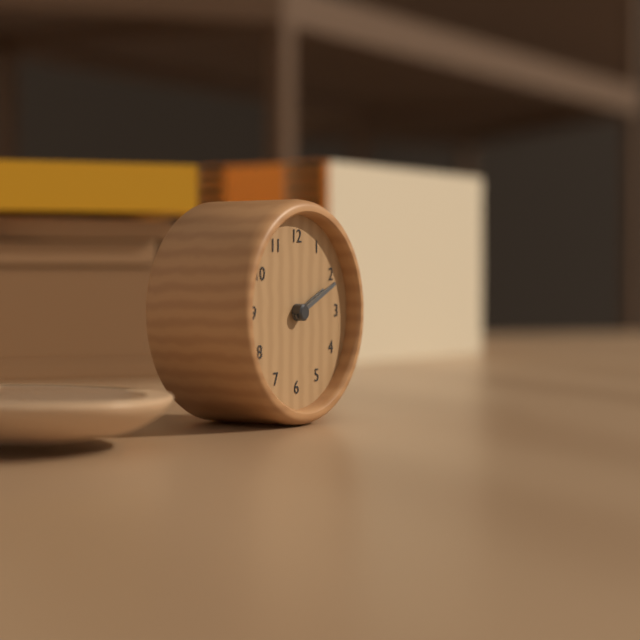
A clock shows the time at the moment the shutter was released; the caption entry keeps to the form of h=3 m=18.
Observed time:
h=2 m=11
